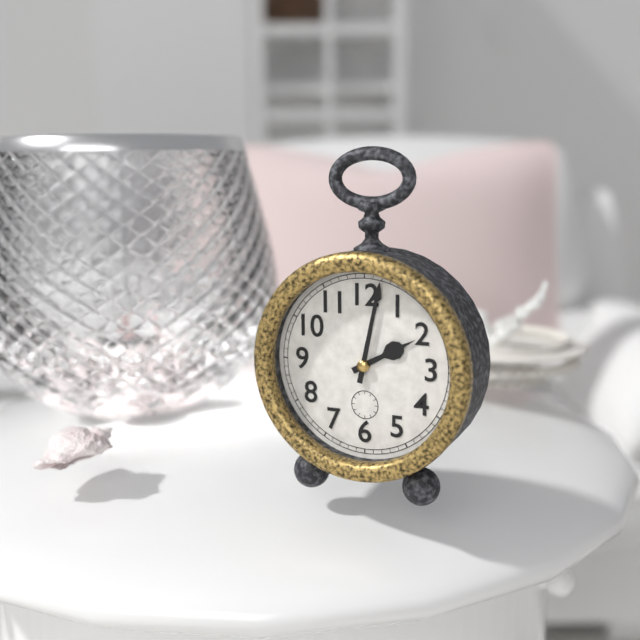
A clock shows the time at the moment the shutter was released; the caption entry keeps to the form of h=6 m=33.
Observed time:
h=2 m=2
